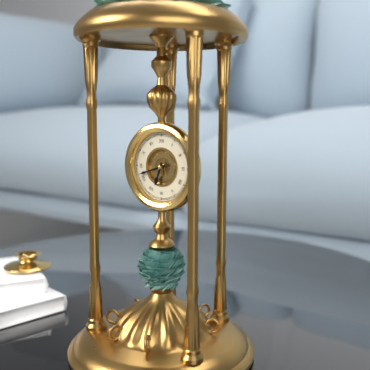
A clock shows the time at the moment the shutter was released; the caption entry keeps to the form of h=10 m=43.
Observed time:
h=6 m=42
